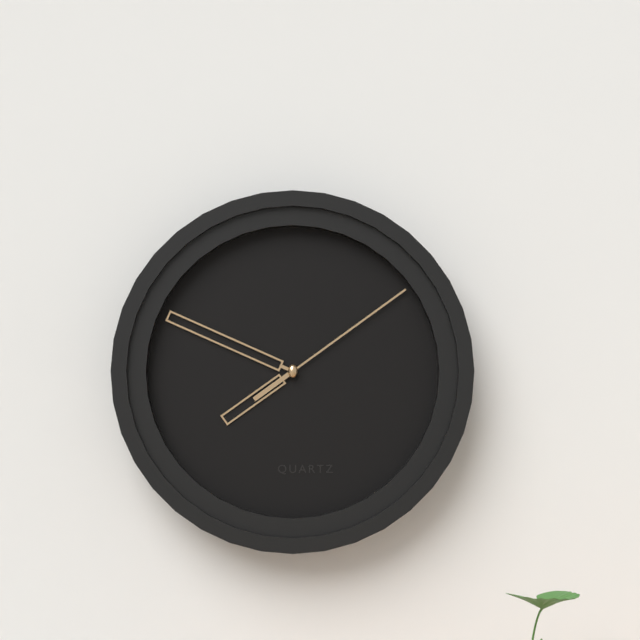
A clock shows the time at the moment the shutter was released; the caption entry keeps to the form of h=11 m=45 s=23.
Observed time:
h=7 m=49 s=9
